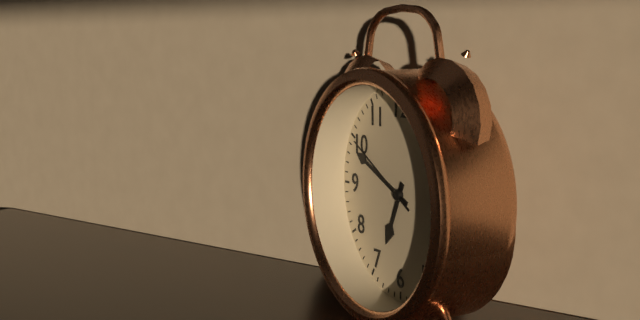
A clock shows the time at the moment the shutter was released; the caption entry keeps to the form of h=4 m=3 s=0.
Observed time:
h=6 m=49 s=50
